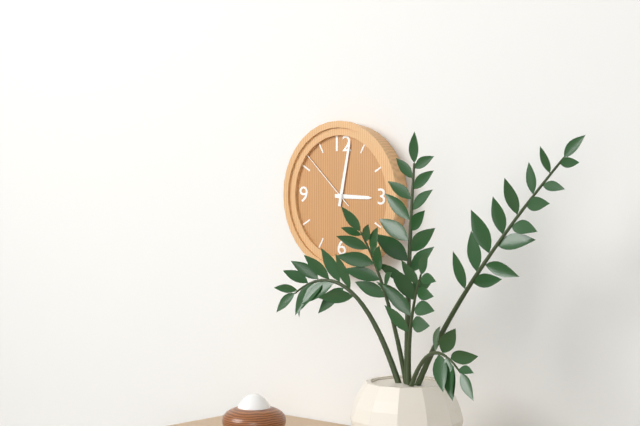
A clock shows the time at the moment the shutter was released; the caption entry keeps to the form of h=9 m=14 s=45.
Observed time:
h=3 m=2 s=52
